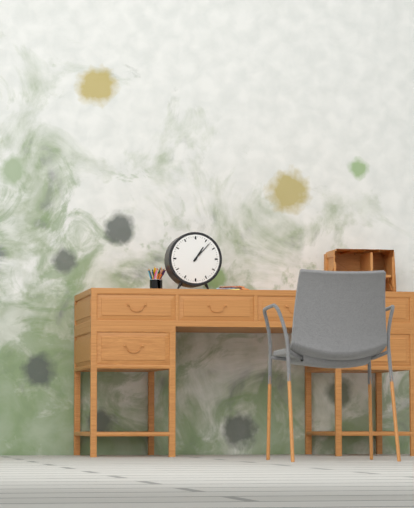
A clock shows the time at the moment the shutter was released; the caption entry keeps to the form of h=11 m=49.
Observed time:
h=1 m=7
